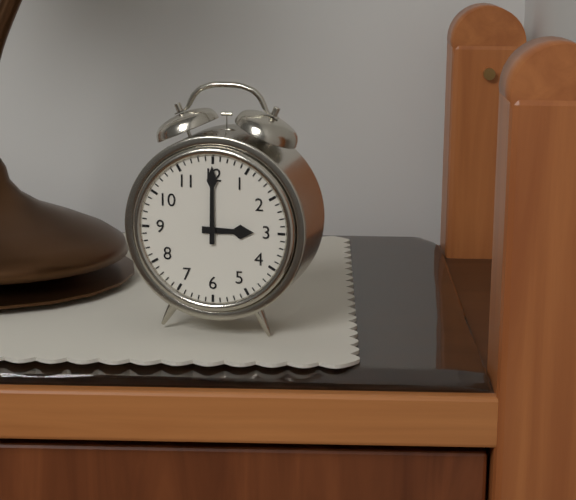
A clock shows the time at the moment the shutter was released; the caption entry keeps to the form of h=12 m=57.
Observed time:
h=3 m=0
